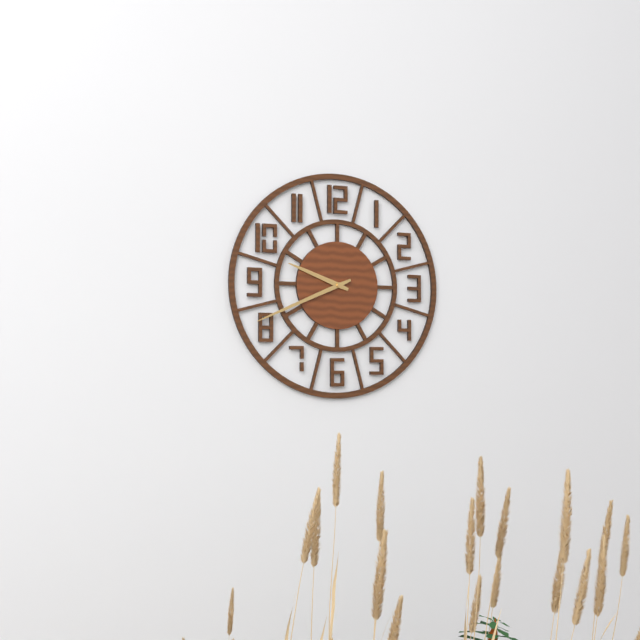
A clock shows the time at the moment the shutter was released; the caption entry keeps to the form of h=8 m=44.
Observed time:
h=9 m=41
